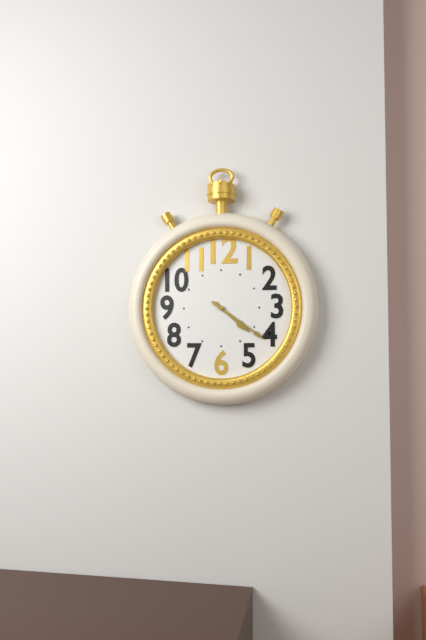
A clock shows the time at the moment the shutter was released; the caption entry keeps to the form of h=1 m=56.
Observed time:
h=4 m=21
